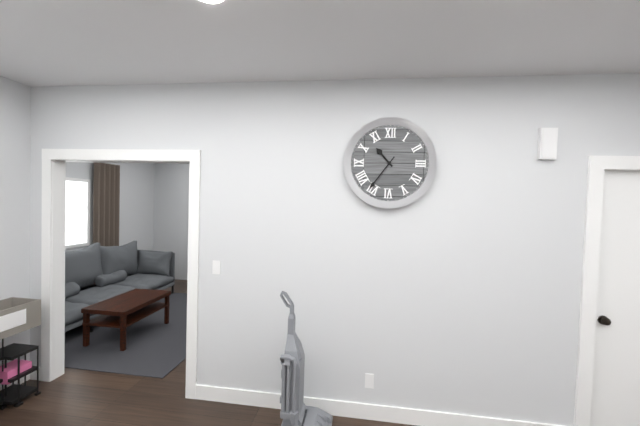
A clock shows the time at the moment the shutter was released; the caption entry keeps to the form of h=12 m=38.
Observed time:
h=10 m=36
